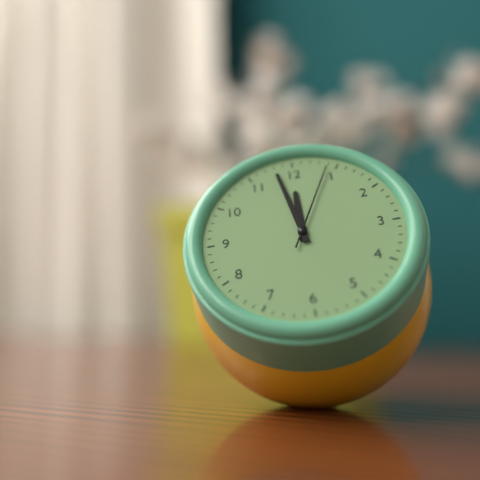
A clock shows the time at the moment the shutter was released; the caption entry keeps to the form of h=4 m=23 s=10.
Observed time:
h=11 m=58 s=4
